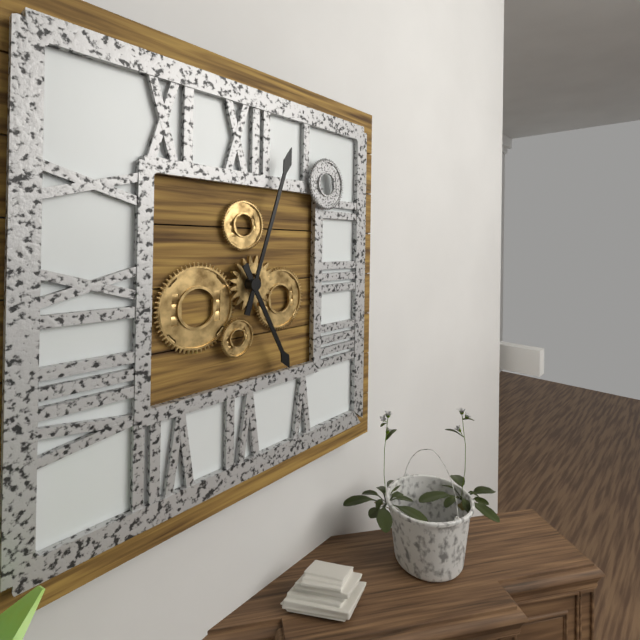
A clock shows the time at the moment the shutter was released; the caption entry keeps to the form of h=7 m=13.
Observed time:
h=5 m=3
